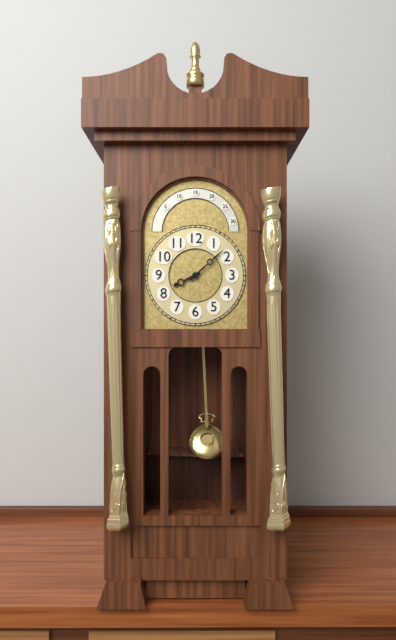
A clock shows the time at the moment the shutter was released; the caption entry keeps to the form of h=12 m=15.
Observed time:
h=8 m=8
